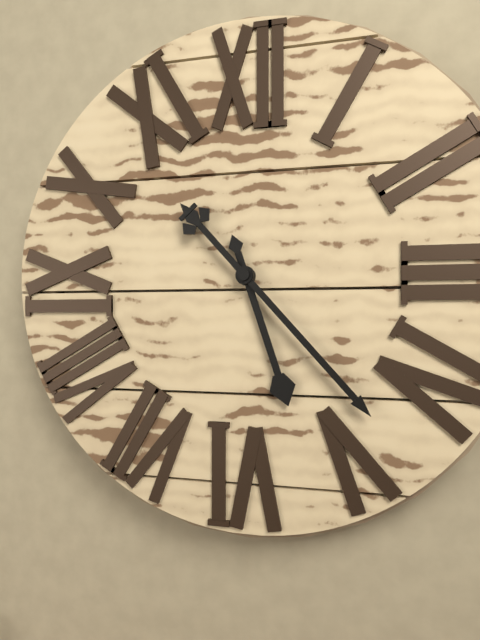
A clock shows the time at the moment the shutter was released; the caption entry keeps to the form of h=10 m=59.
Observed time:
h=5 m=23
